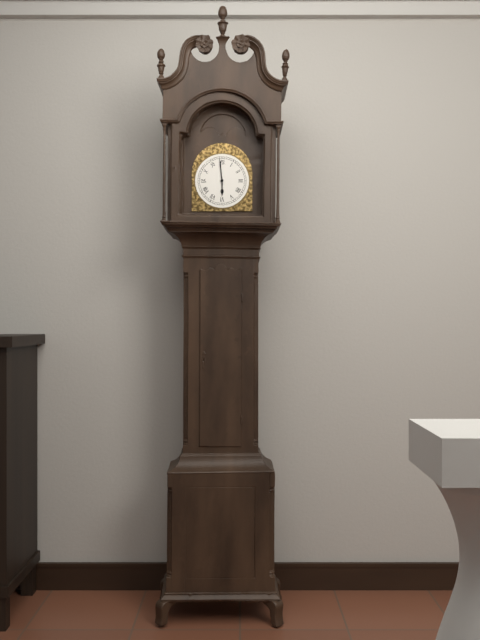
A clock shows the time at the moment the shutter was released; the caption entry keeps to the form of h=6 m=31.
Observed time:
h=5 m=59
